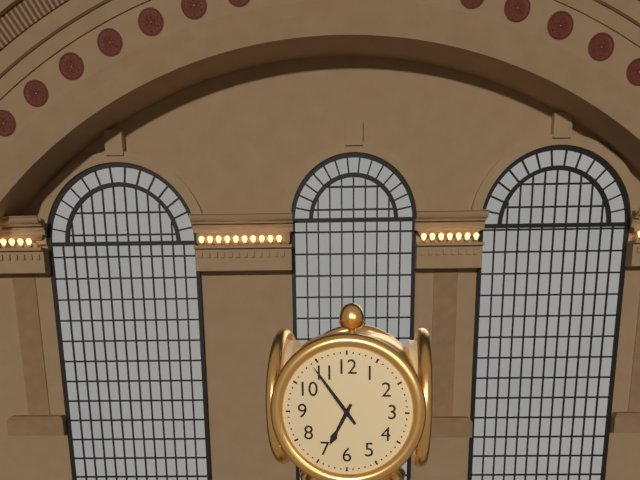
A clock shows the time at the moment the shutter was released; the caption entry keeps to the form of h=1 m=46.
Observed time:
h=6 m=54
